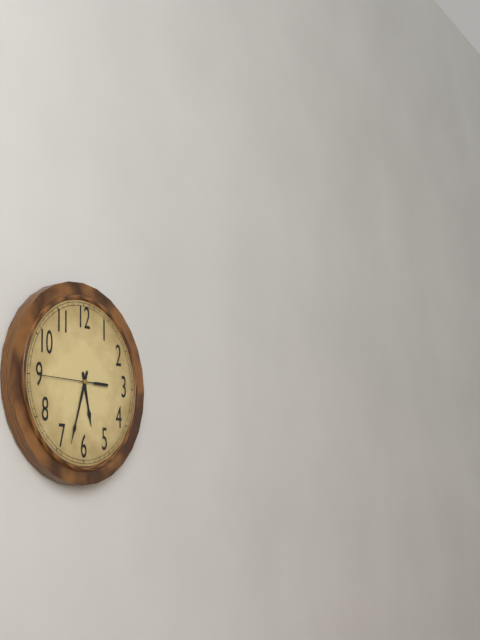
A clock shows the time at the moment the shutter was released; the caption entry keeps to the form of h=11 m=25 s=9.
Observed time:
h=5 m=33 s=45
